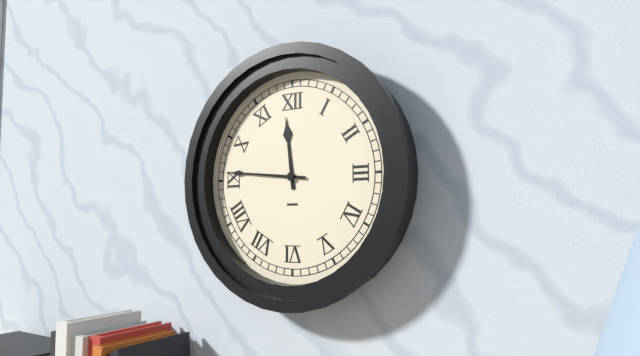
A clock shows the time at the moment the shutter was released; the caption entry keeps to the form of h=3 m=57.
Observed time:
h=11 m=46
